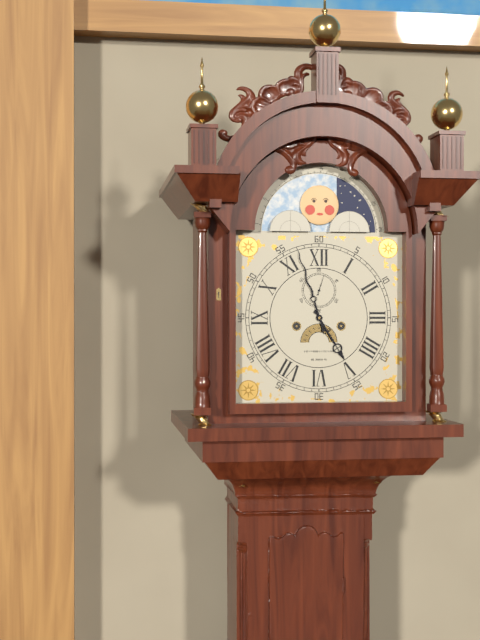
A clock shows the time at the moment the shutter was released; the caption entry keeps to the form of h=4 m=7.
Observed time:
h=4 m=57
